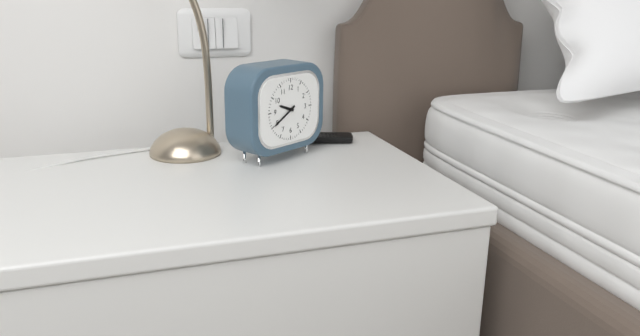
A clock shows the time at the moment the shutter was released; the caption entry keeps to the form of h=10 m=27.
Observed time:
h=9 m=40
